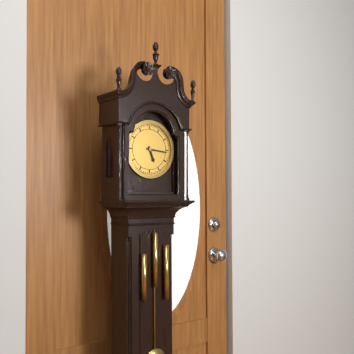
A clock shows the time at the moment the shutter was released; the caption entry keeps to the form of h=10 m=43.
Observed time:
h=5 m=16
